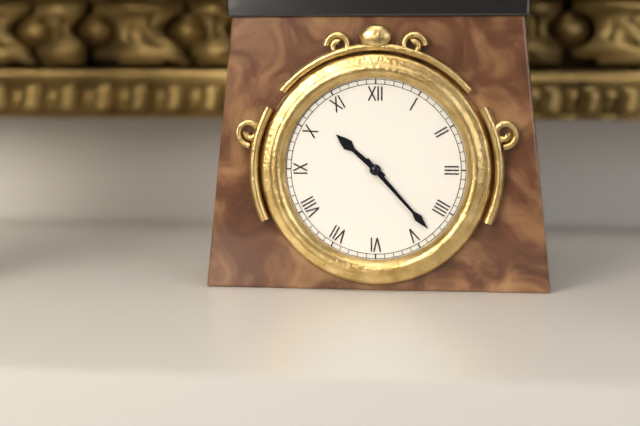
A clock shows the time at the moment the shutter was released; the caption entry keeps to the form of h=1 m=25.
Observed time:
h=10 m=23
